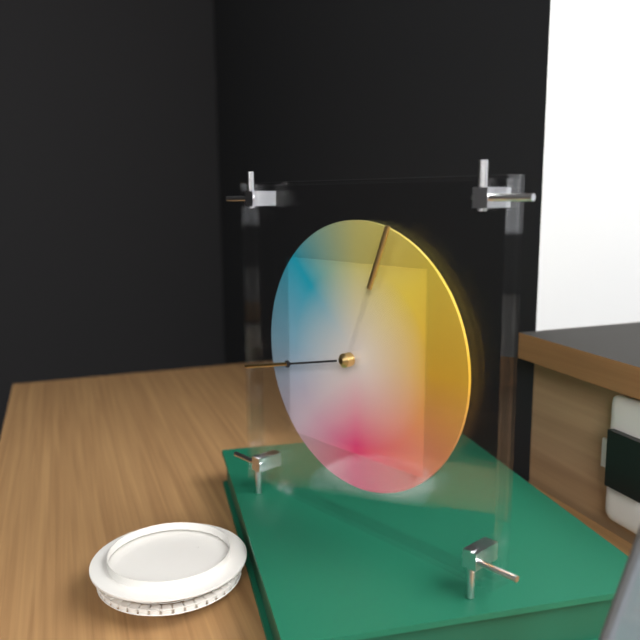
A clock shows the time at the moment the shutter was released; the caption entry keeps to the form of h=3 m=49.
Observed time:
h=12 m=43
